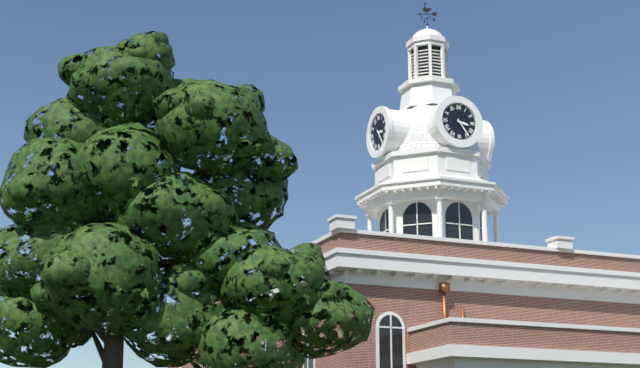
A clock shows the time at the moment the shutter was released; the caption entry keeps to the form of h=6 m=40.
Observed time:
h=3 m=24
